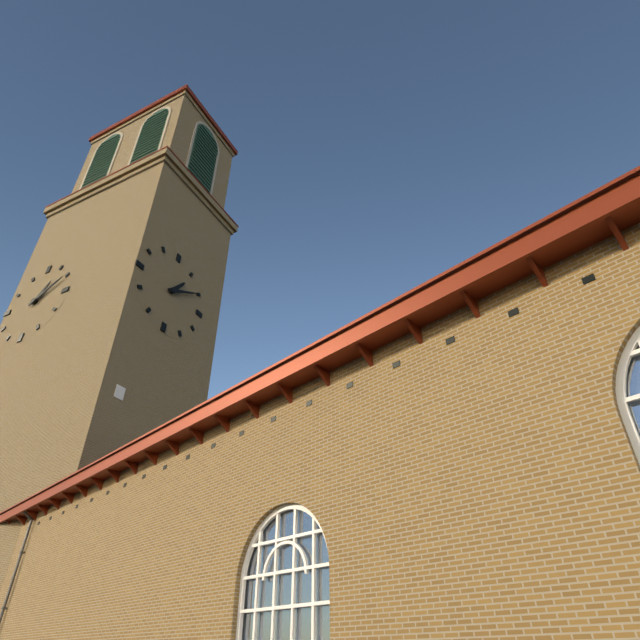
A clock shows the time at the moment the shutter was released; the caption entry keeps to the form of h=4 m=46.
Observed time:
h=1 m=10
